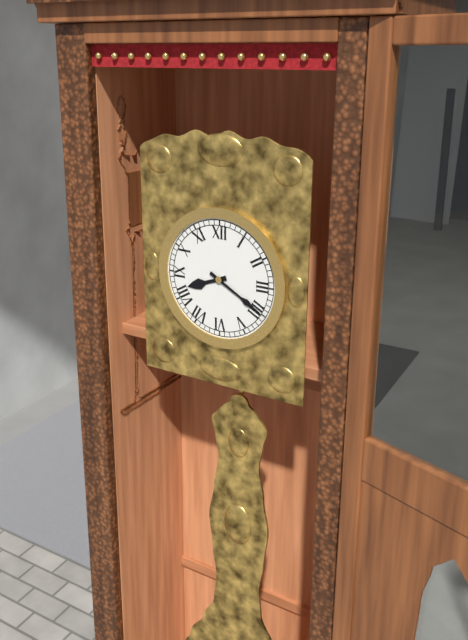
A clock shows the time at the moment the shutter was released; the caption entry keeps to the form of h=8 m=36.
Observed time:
h=8 m=20
